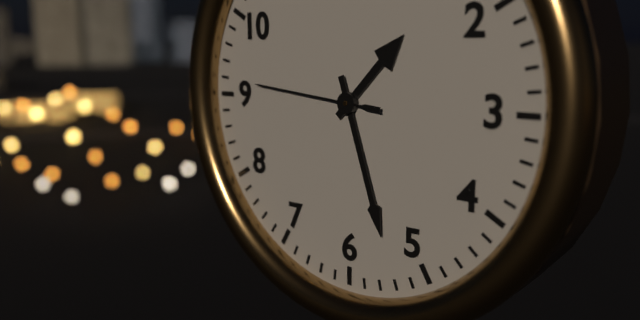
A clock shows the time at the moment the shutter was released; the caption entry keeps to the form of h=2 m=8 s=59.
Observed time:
h=1 m=27 s=46
